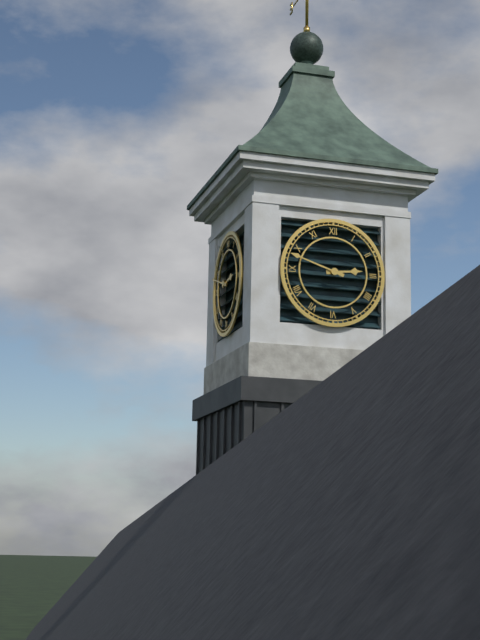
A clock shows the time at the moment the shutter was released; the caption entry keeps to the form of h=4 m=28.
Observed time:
h=2 m=48
